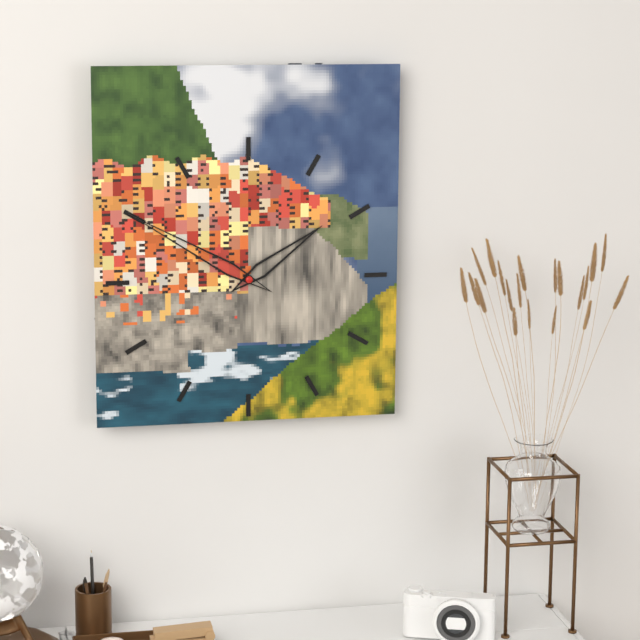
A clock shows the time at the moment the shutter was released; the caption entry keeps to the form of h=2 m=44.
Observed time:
h=1 m=50
